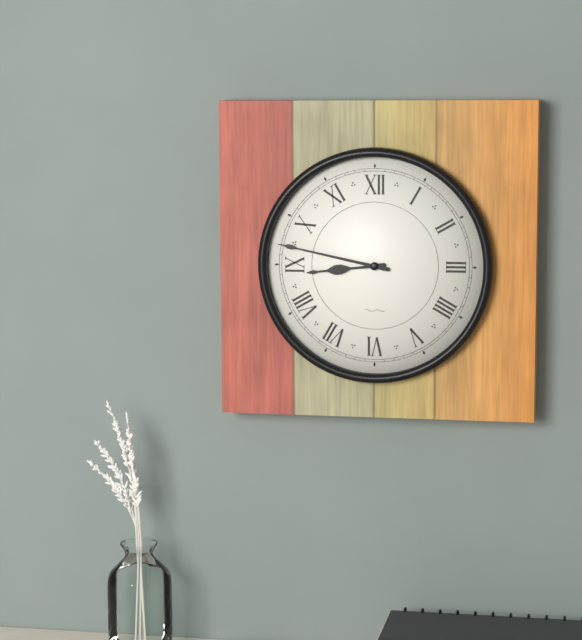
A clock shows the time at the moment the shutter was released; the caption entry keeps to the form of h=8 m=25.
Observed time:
h=8 m=47
